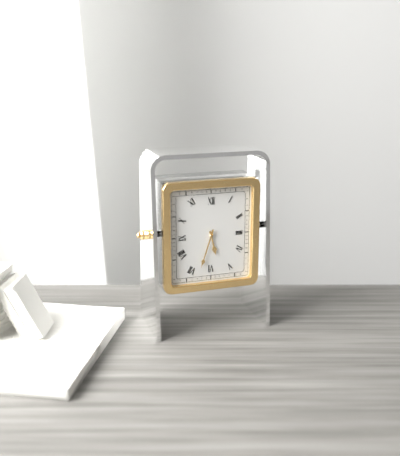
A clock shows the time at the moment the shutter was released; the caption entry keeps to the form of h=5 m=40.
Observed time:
h=5 m=33
